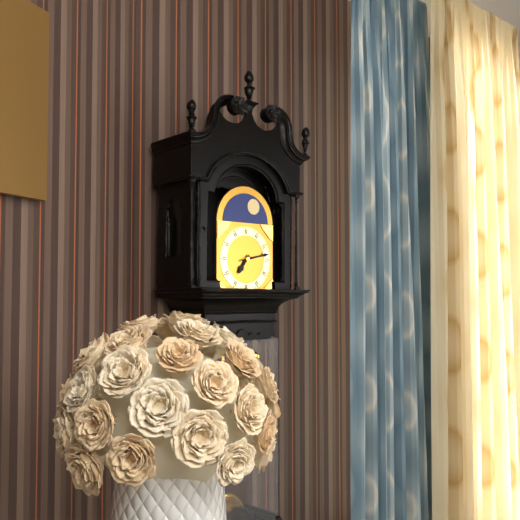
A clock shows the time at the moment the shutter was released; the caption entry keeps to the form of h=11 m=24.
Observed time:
h=7 m=13
